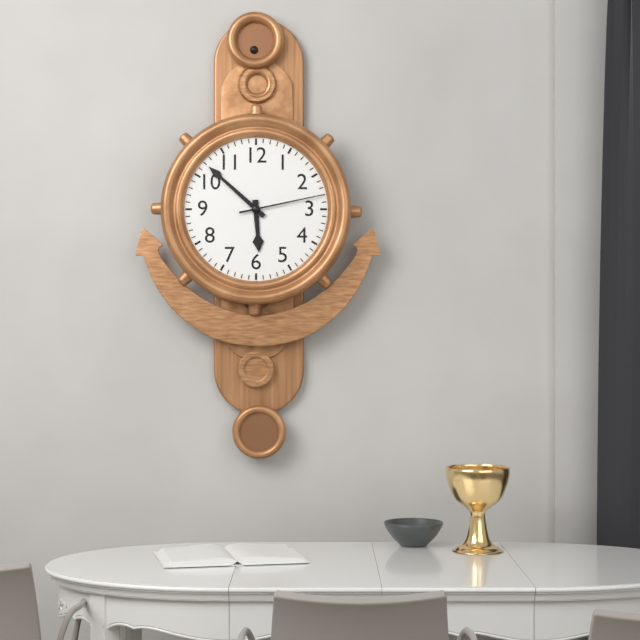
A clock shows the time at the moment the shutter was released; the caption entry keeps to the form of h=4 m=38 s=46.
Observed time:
h=5 m=52 s=13
